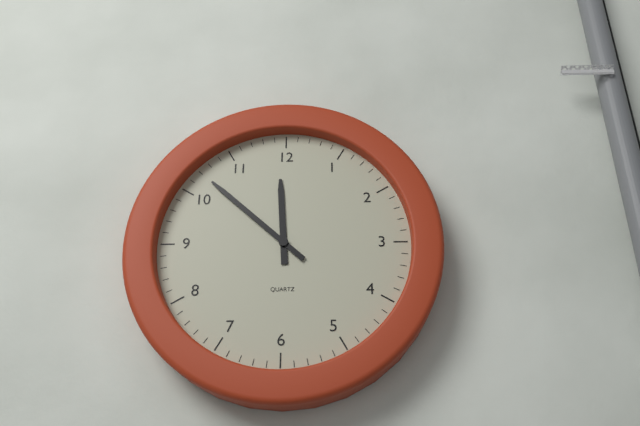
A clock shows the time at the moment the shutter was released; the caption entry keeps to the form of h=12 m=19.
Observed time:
h=11 m=52
